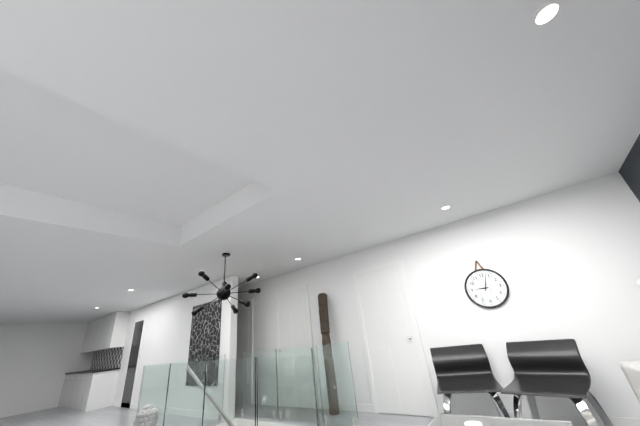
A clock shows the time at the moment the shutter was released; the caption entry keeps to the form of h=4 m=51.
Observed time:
h=9 m=3
